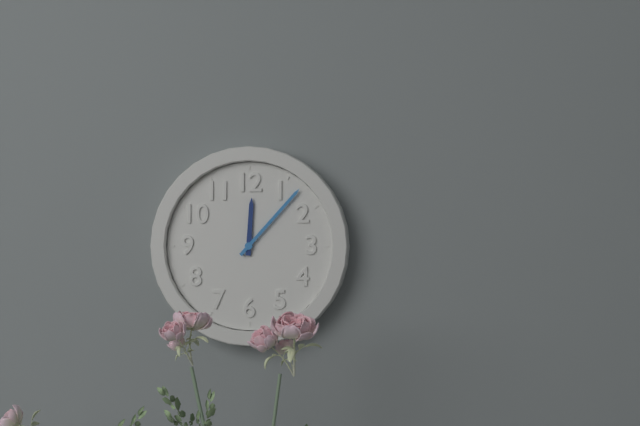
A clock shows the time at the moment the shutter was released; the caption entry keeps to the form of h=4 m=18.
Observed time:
h=12 m=7
